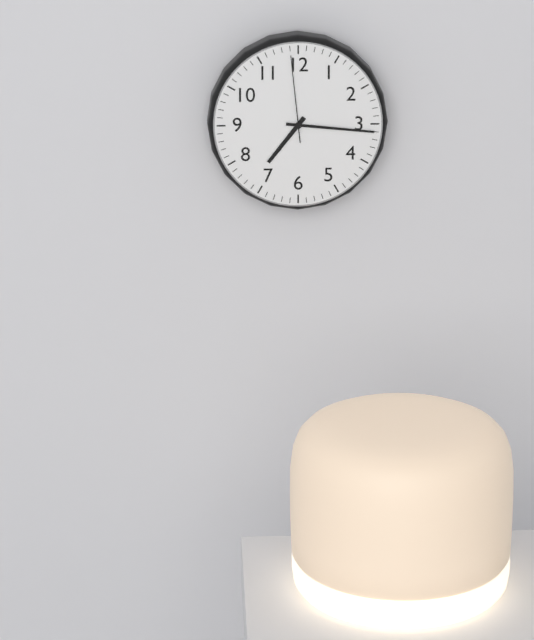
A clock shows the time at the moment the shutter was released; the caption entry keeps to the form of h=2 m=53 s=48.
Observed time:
h=7 m=16 s=59
